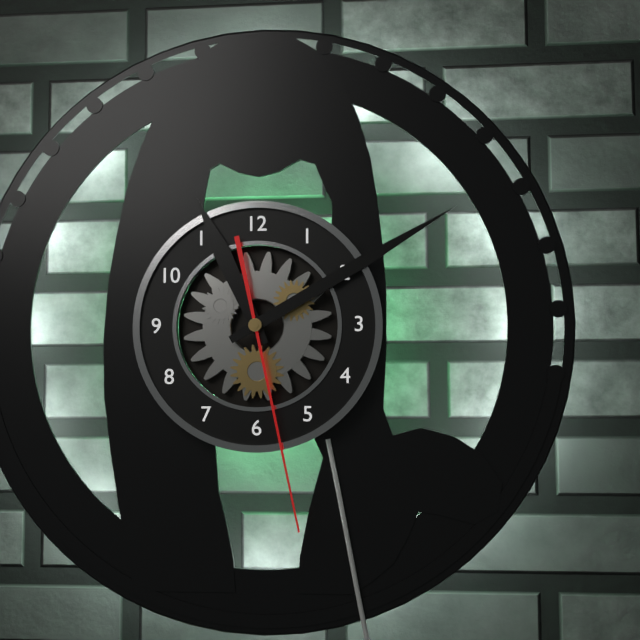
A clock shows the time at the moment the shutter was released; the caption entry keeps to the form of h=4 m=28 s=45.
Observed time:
h=11 m=10 s=28
